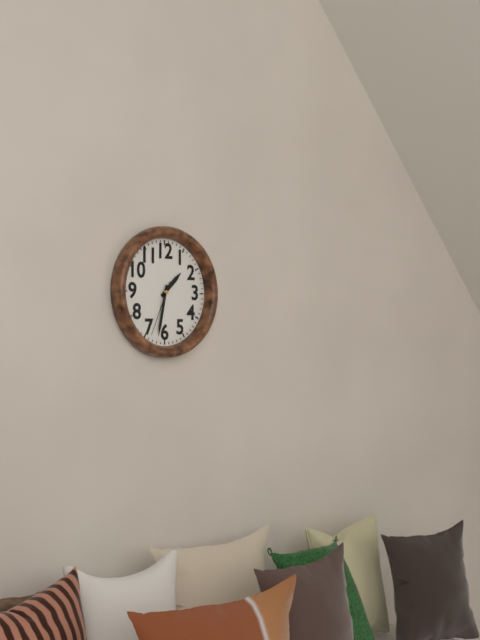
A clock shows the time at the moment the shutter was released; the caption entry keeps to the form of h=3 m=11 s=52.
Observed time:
h=1 m=32 s=34
